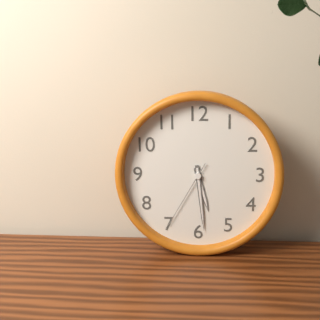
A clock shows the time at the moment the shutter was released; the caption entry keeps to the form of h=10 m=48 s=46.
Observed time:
h=5 m=29 s=35
